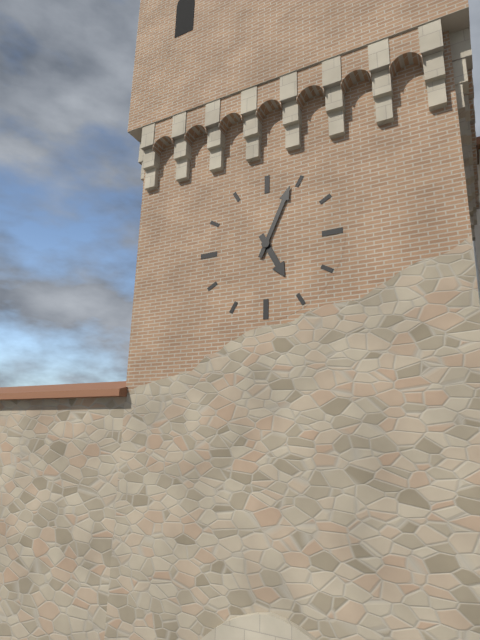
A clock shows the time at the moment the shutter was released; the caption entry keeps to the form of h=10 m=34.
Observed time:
h=5 m=4
